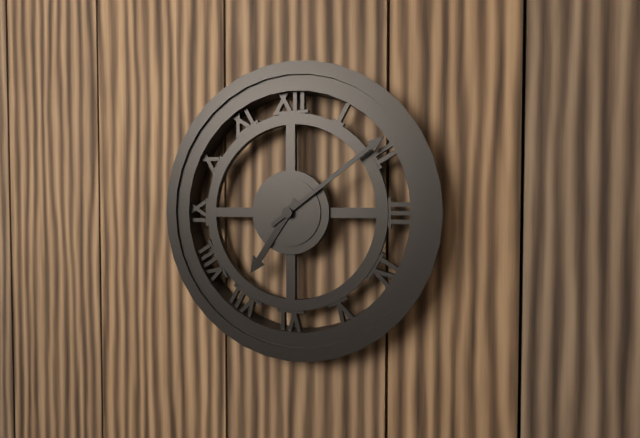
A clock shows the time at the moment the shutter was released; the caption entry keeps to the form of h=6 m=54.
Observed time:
h=7 m=9
